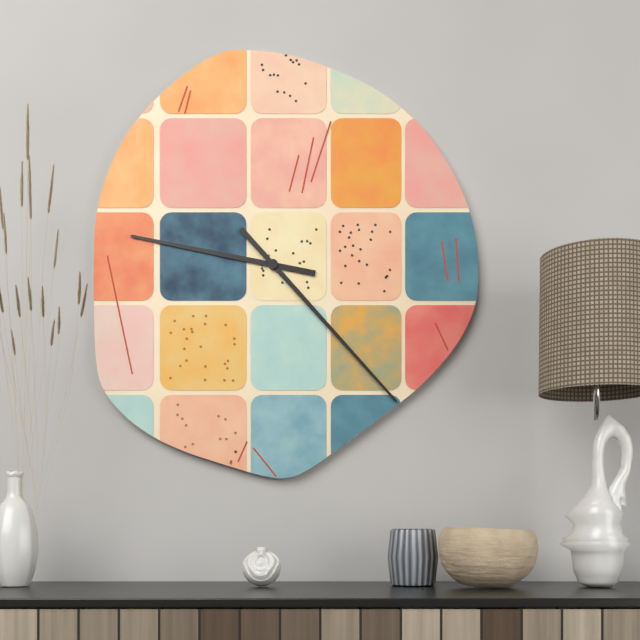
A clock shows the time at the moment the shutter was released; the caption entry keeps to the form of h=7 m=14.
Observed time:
h=9 m=23
